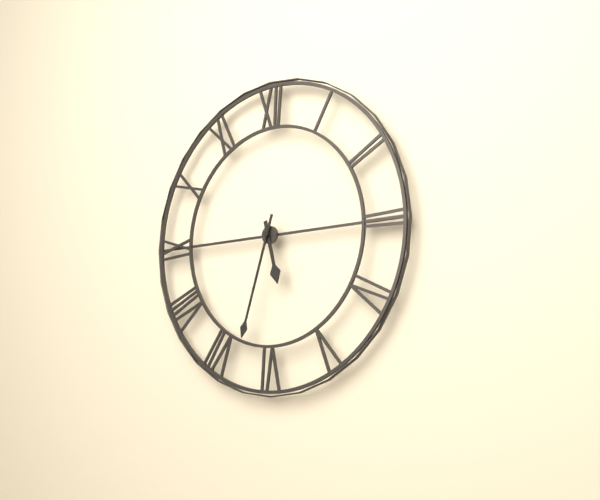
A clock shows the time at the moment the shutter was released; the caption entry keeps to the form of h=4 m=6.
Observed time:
h=5 m=33
